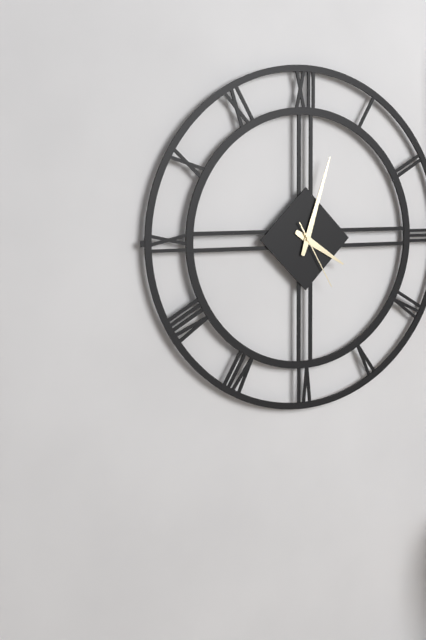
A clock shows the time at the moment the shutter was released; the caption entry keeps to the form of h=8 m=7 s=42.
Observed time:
h=4 m=3 s=25
